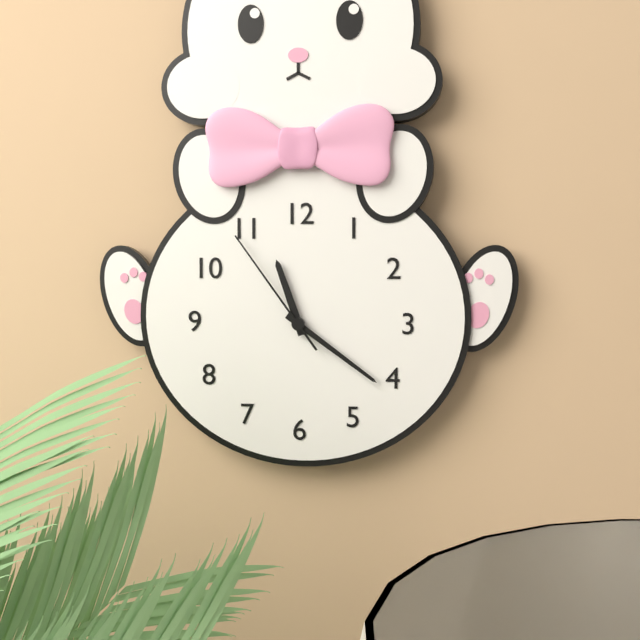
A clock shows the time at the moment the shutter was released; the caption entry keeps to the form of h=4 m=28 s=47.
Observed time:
h=11 m=21 s=54
